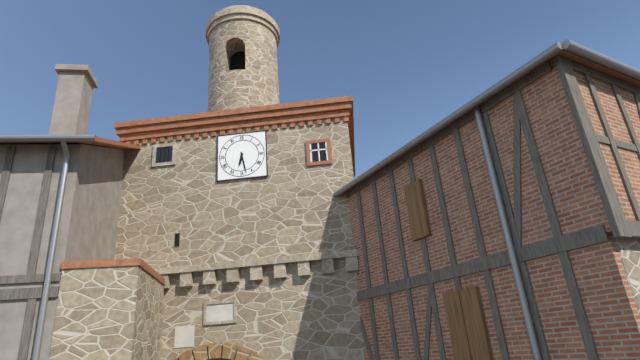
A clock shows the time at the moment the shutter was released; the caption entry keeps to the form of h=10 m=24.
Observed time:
h=6 m=28
